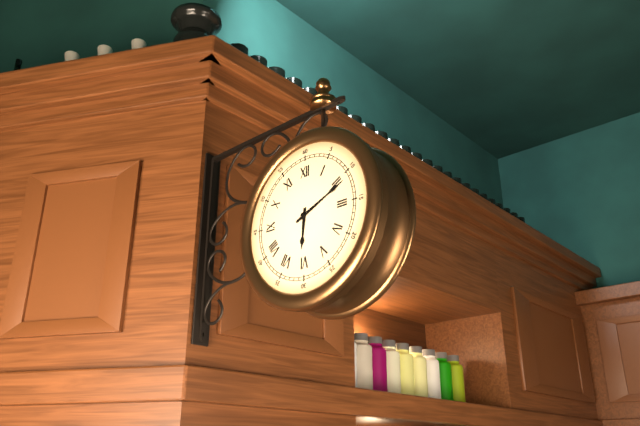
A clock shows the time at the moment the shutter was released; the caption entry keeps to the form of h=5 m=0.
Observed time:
h=6 m=11
